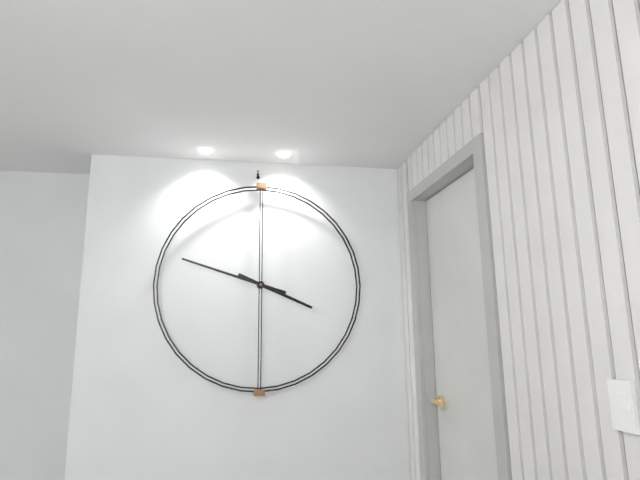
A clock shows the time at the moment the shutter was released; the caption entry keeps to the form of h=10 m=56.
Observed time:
h=3 m=48
